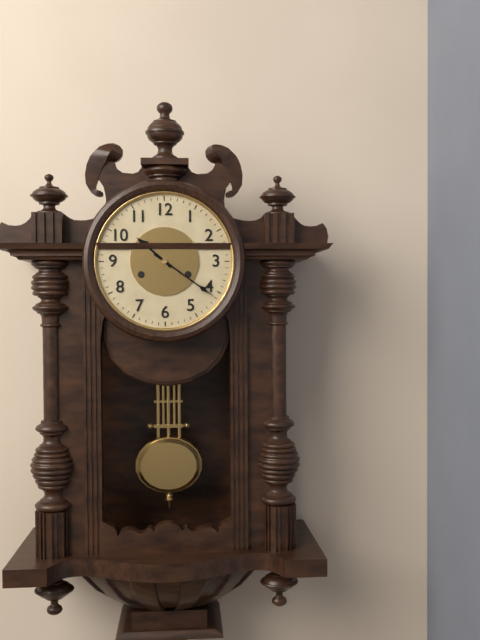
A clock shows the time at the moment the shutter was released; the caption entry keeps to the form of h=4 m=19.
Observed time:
h=10 m=21
